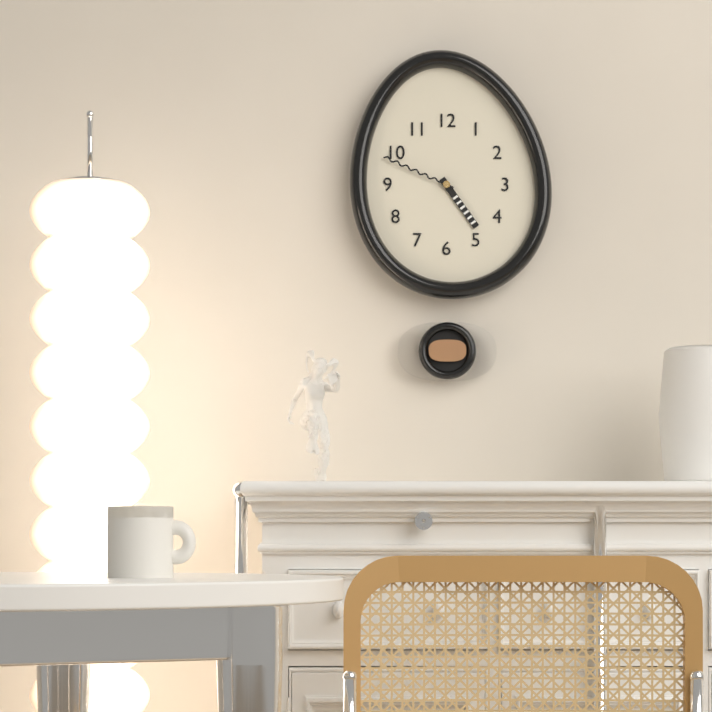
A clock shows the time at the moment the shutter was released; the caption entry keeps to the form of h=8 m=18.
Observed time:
h=4 m=49
